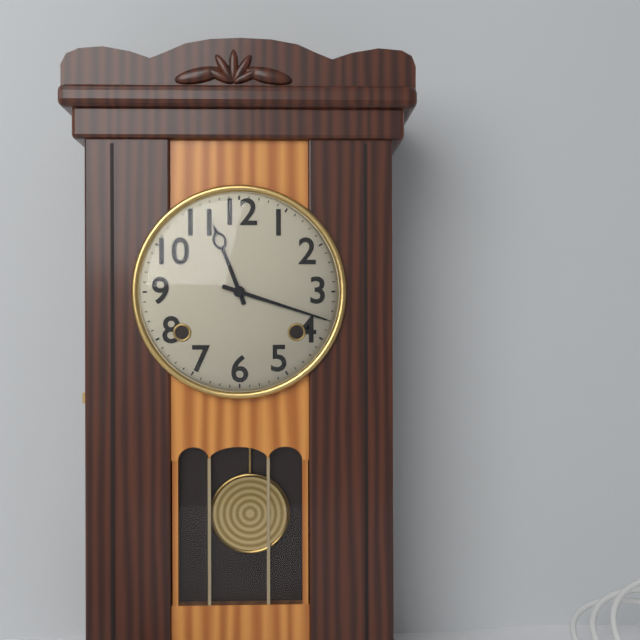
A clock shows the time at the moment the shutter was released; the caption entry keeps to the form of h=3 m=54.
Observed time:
h=11 m=18
